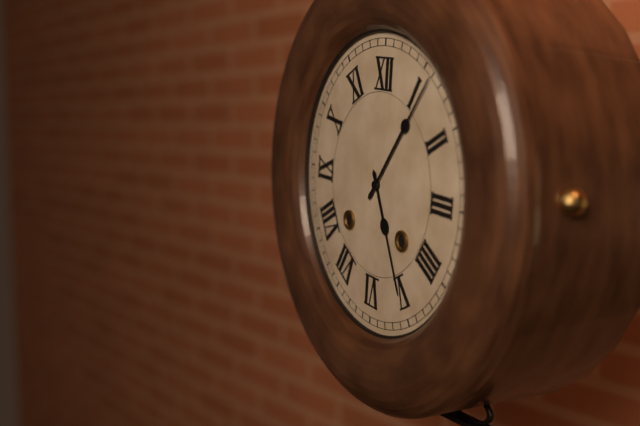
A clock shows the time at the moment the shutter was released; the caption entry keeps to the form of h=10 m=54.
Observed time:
h=5 m=6
